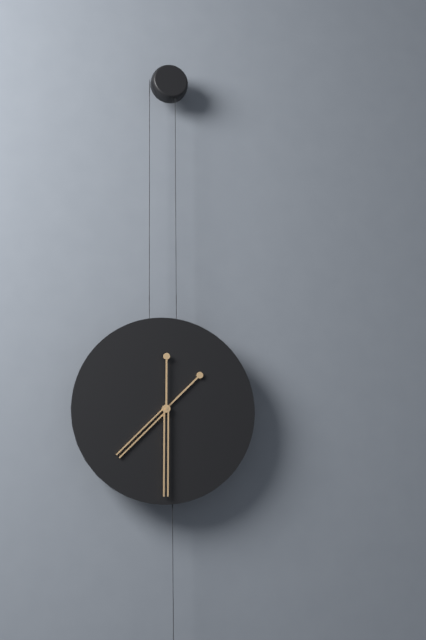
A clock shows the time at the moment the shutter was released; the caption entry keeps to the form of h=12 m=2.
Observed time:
h=7 m=30
